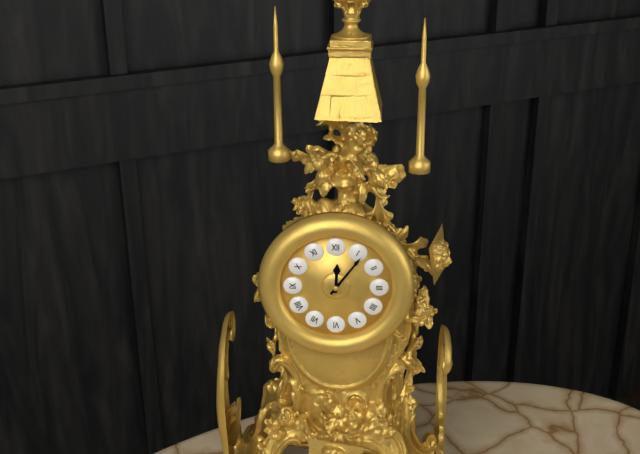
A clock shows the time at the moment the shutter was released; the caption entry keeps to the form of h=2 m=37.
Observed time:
h=12 m=6
